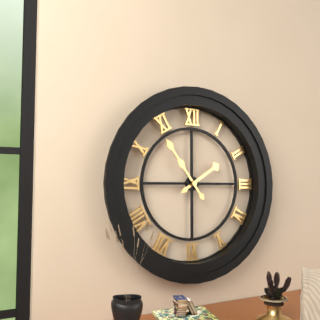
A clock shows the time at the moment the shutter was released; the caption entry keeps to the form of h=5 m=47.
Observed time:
h=1 m=54
